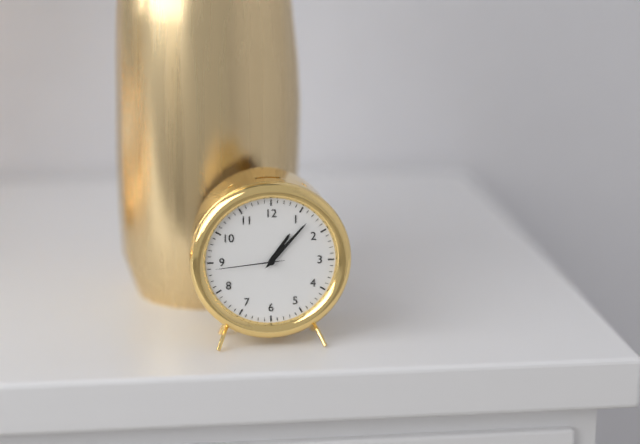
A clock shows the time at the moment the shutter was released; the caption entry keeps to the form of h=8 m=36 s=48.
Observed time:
h=1 m=7 s=44
